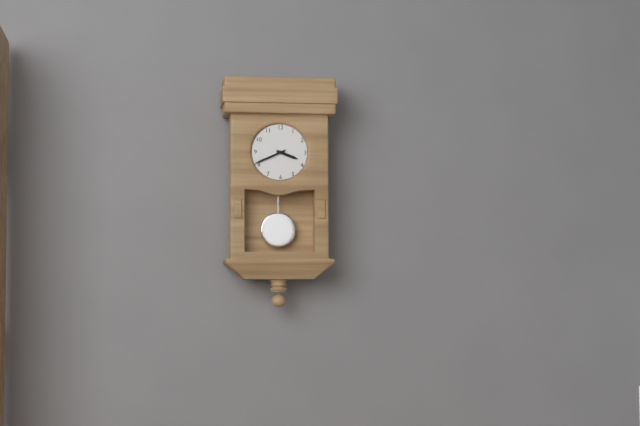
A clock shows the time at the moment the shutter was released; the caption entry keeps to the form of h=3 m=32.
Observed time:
h=3 m=41
